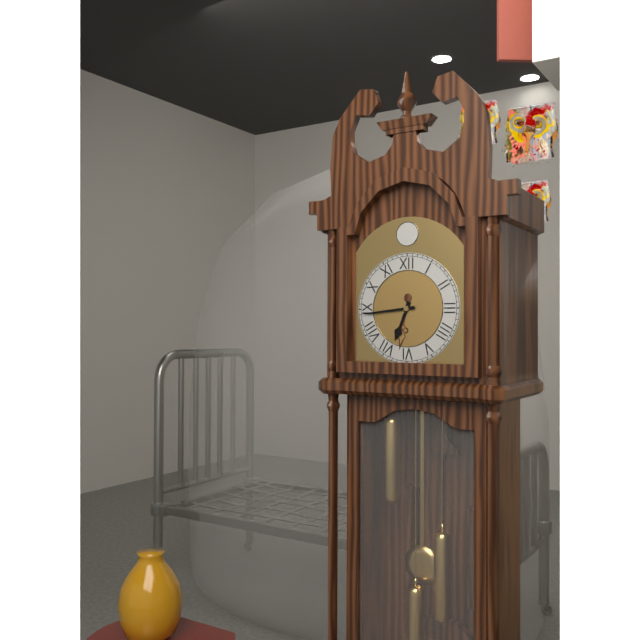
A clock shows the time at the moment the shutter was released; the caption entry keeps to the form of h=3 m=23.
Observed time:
h=6 m=44
